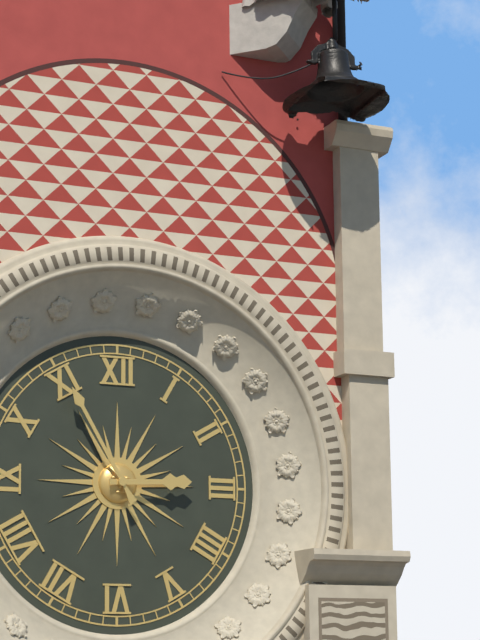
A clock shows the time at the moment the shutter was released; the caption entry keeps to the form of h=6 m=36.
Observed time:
h=2 m=55
